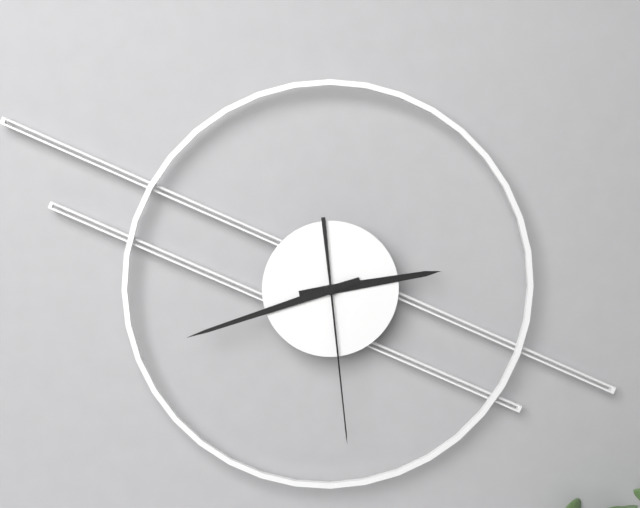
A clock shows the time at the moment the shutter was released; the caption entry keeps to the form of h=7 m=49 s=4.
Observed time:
h=2 m=42 s=29
